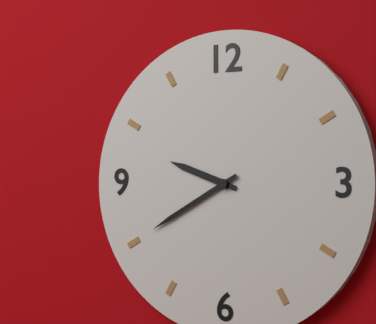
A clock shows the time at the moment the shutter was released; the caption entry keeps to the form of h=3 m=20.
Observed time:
h=9 m=40
